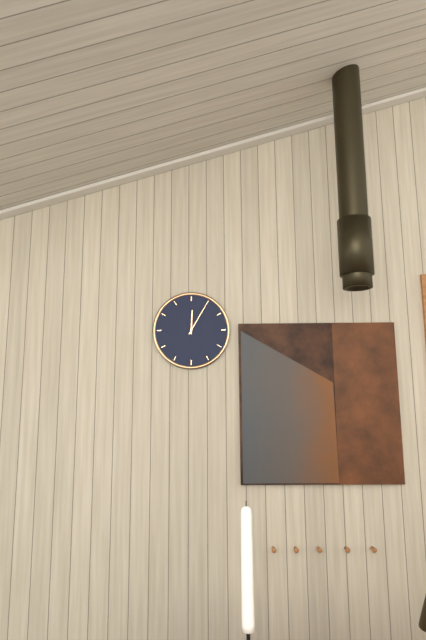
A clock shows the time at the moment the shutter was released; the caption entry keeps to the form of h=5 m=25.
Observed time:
h=12 m=5
